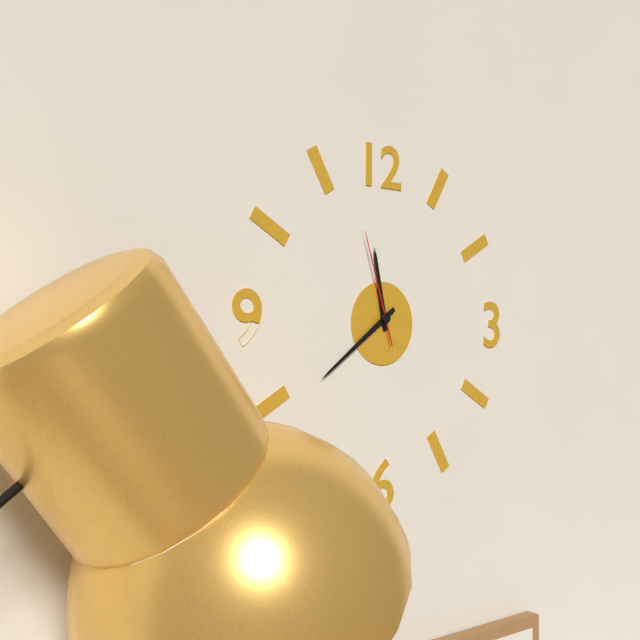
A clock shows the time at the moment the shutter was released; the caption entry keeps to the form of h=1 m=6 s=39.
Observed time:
h=11 m=39 s=57
